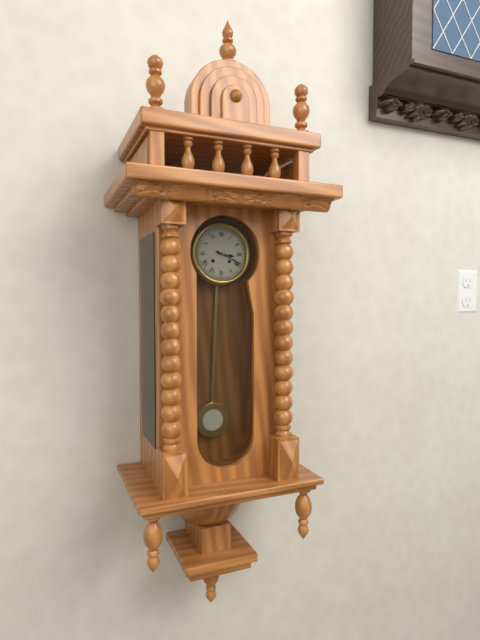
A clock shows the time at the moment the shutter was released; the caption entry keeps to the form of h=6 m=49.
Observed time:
h=3 m=19
